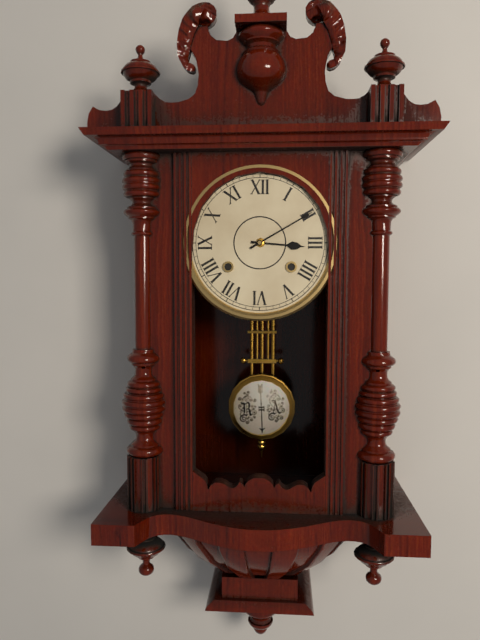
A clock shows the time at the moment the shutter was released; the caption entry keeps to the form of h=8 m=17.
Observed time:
h=3 m=10
